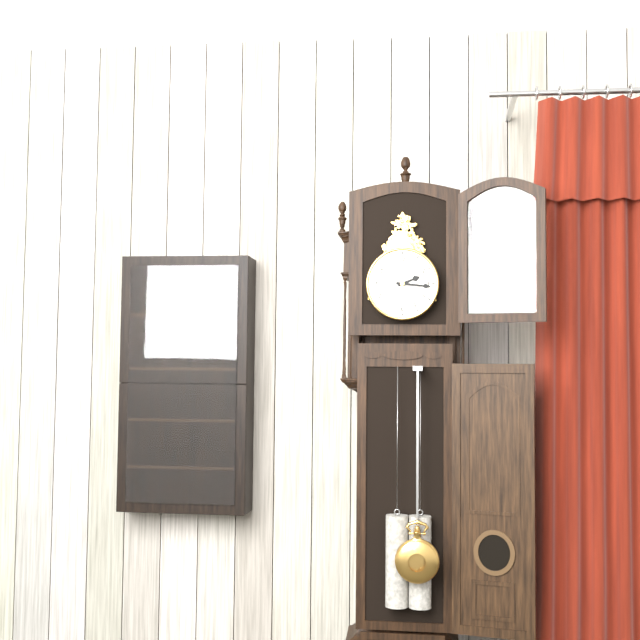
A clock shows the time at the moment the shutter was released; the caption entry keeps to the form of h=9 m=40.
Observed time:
h=2 m=16
